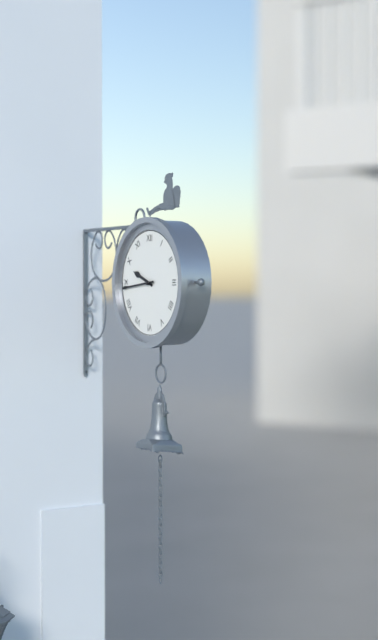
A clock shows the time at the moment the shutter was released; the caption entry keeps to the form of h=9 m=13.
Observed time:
h=9 m=44
